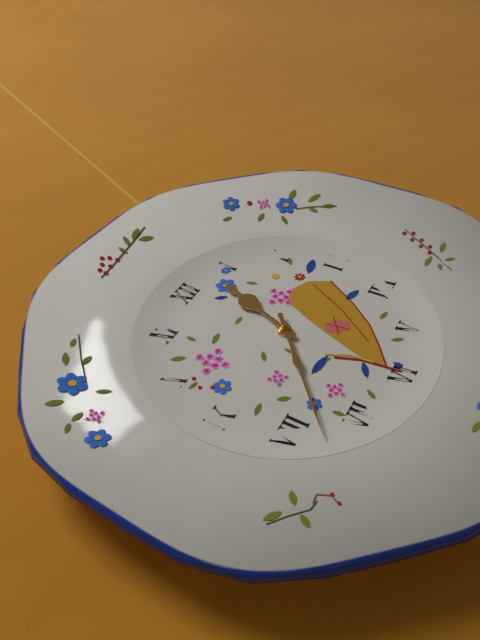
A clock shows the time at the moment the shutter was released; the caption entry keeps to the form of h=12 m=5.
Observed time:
h=12 m=38
